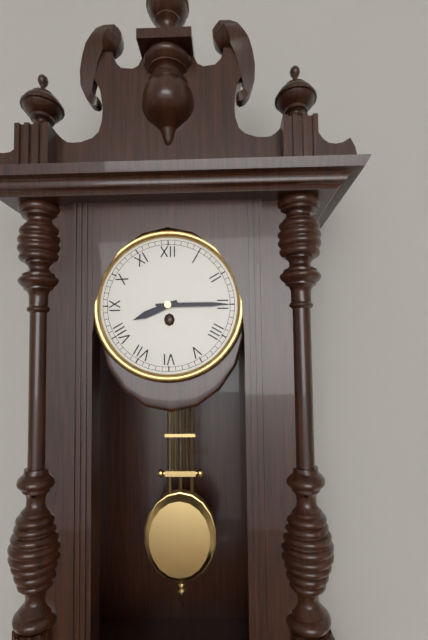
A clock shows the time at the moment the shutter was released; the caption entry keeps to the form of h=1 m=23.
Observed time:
h=8 m=15
